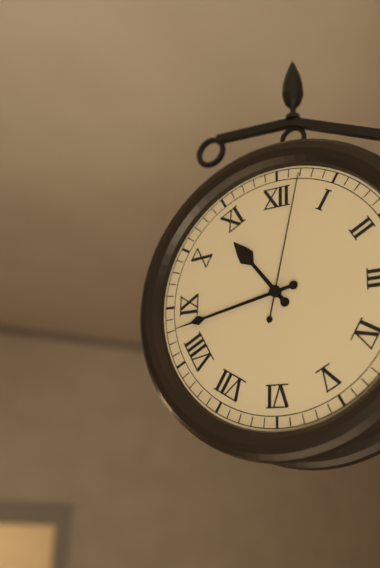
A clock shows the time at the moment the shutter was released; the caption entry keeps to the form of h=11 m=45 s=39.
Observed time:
h=10 m=43 s=2
